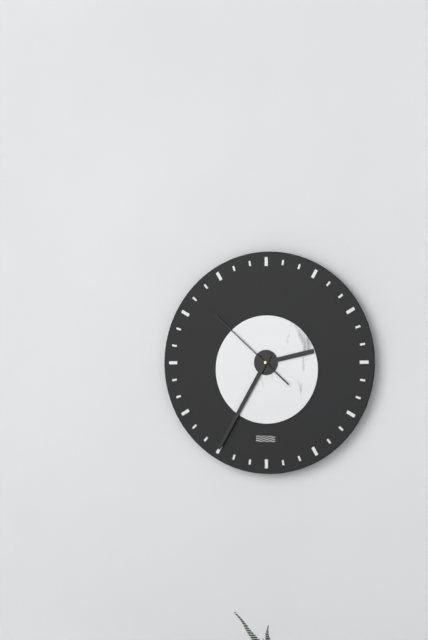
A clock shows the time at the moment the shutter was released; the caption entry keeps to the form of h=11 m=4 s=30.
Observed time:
h=2 m=35 s=52
